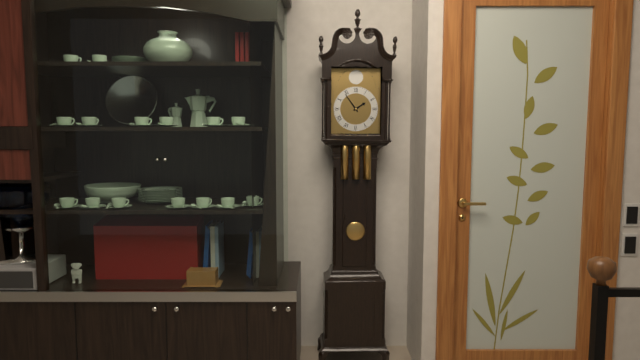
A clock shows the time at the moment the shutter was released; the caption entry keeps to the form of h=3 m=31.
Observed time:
h=1 m=54
